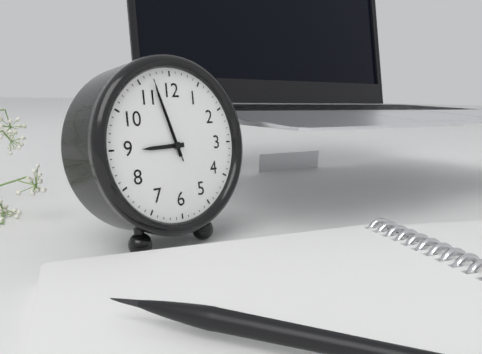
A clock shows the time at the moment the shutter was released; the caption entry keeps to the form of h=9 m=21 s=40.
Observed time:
h=8 m=57 s=57
